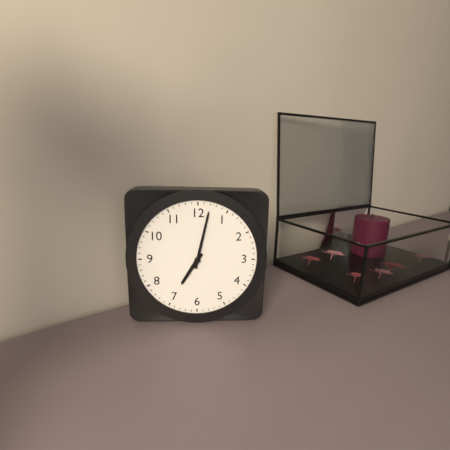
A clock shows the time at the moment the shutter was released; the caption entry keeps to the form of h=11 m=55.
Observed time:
h=7 m=2
